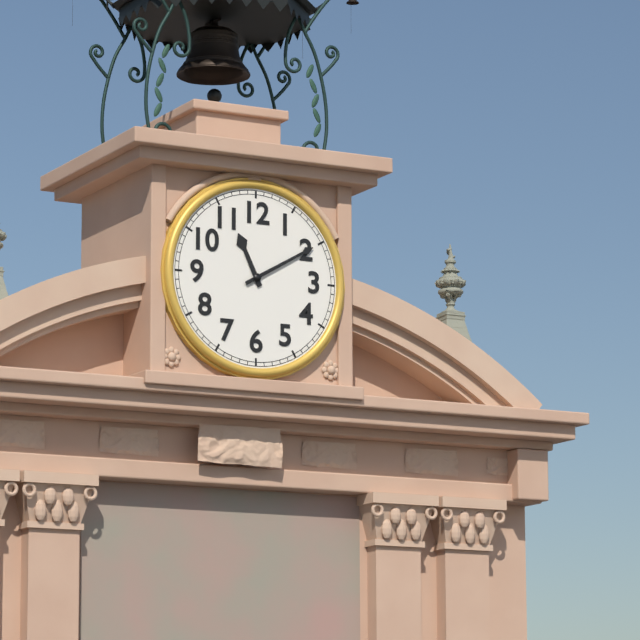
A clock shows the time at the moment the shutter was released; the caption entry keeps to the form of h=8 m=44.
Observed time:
h=11 m=10
